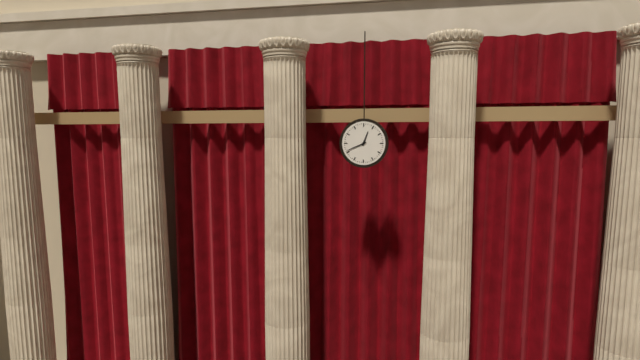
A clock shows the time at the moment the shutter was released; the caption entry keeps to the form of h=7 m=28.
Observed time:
h=12 m=41
